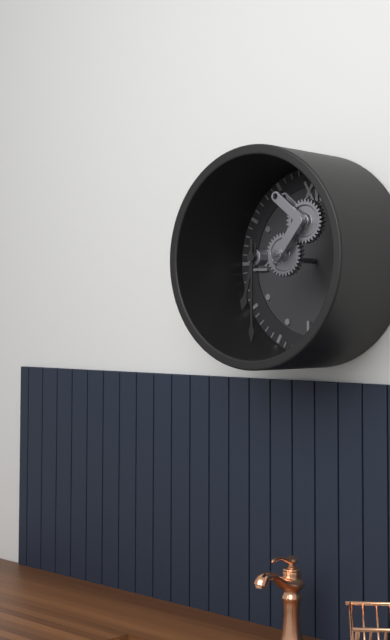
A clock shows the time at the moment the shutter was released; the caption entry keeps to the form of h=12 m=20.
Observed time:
h=6 m=30
